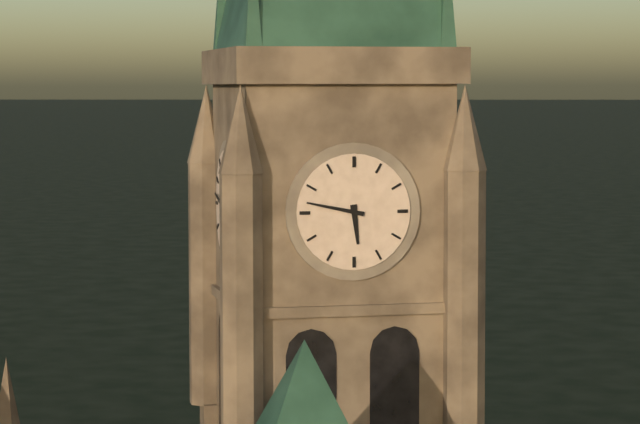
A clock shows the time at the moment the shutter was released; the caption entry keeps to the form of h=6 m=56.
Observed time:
h=5 m=47
